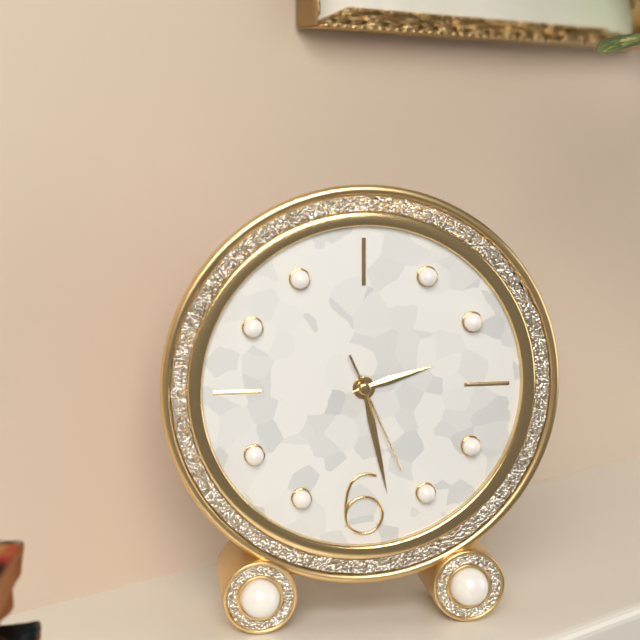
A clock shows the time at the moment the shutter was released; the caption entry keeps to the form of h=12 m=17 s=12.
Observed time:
h=2 m=28 s=26
